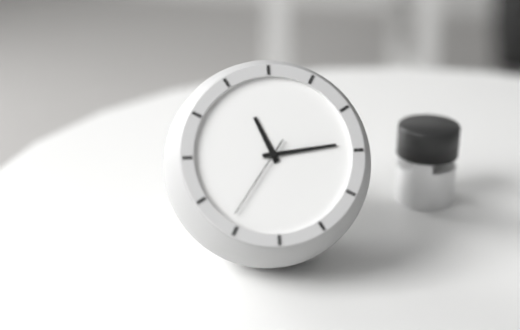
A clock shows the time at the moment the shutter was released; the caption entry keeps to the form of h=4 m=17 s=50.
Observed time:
h=11 m=14 s=36
